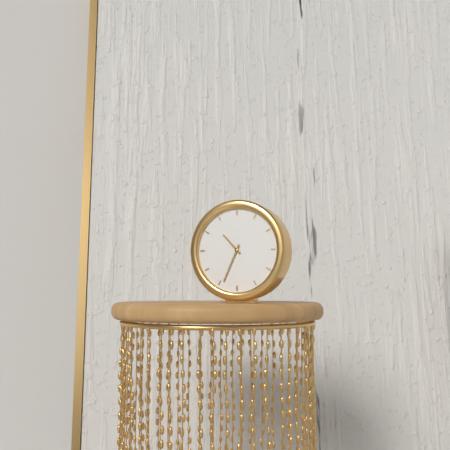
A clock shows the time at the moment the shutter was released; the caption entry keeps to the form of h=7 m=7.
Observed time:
h=10 m=34
